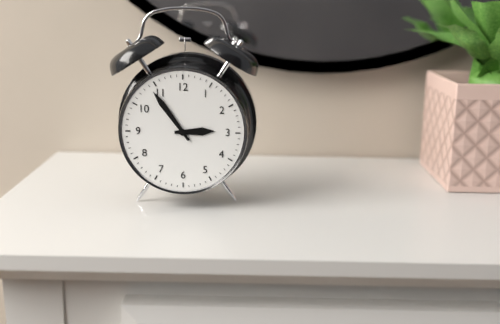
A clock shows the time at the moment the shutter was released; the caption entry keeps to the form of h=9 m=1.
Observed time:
h=2 m=54
